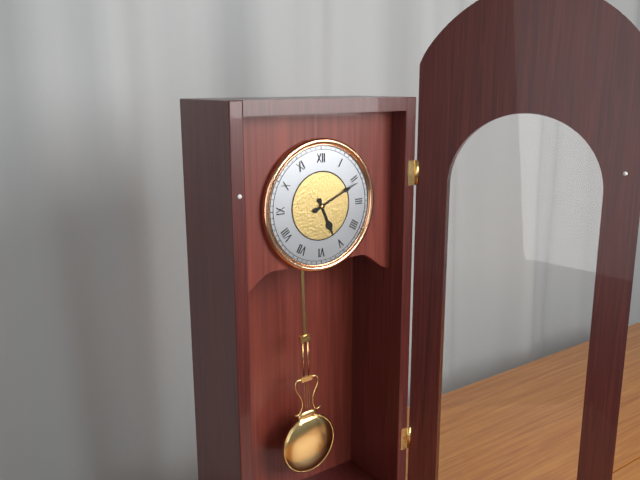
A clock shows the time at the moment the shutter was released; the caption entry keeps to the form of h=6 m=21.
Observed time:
h=5 m=11
